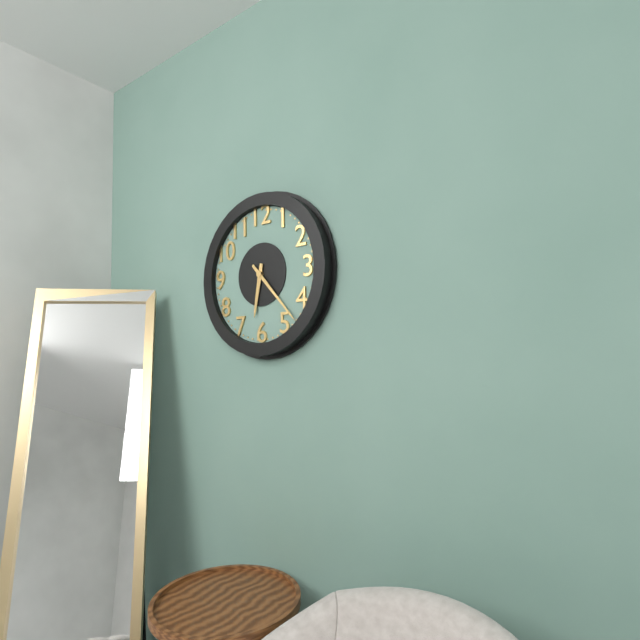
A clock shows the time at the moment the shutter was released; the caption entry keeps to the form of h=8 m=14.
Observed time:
h=6 m=23
